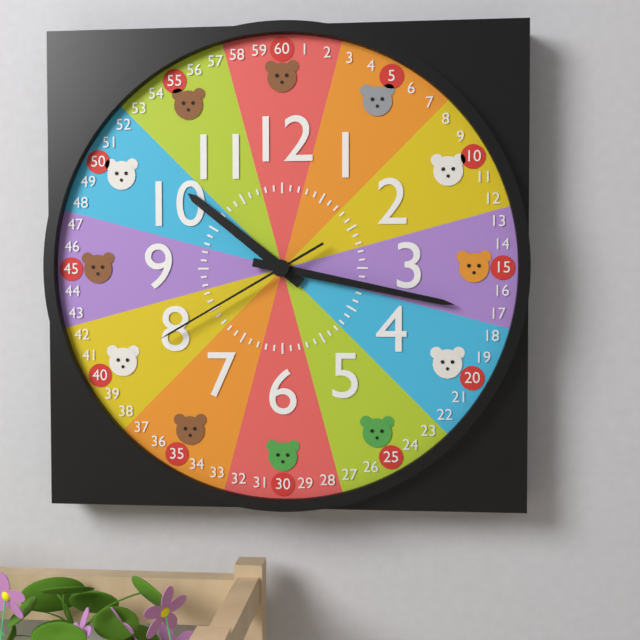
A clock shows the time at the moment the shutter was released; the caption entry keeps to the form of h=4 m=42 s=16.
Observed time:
h=10 m=17 s=40
